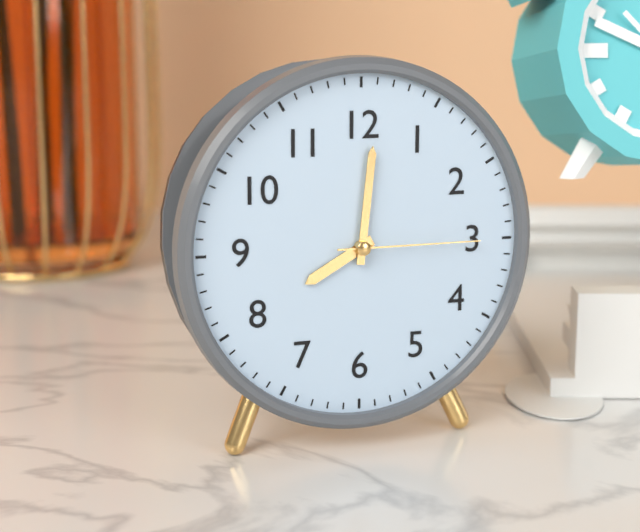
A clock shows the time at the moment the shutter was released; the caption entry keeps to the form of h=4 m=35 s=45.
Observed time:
h=8 m=1 s=15
